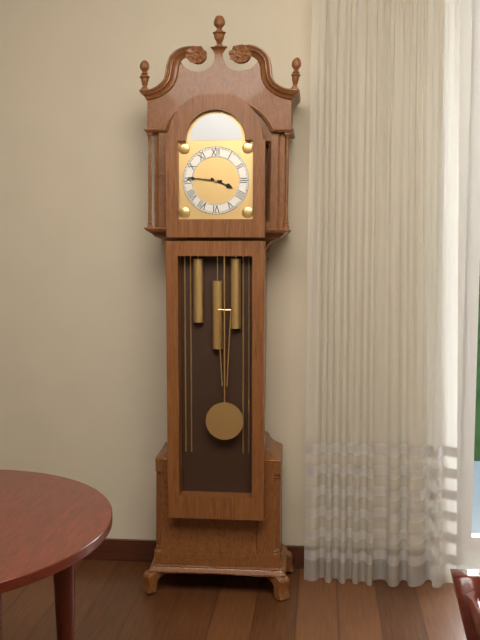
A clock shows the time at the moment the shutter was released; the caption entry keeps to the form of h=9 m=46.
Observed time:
h=3 m=46
